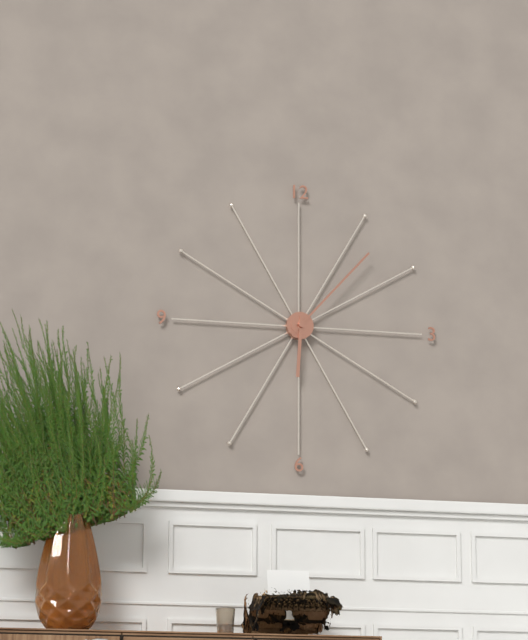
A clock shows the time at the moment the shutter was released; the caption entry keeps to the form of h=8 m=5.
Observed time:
h=6 m=7
